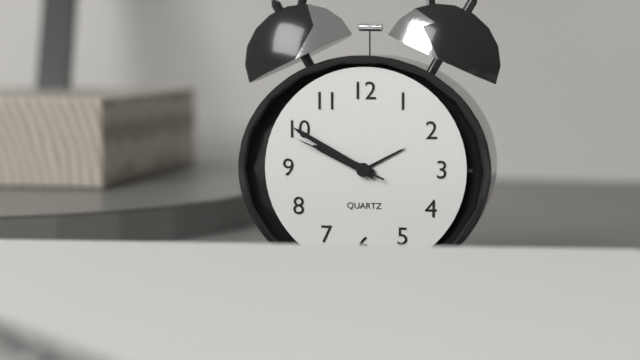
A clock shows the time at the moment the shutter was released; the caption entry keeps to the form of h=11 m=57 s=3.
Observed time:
h=9 m=50 s=49
